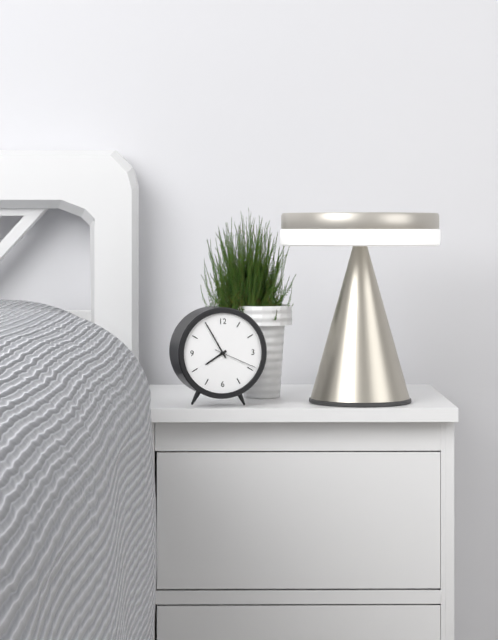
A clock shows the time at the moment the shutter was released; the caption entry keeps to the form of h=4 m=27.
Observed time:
h=7 m=55
